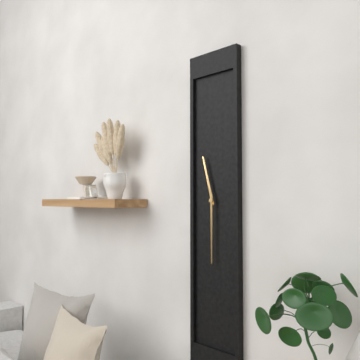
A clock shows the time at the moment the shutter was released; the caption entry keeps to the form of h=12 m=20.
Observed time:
h=11 m=30
